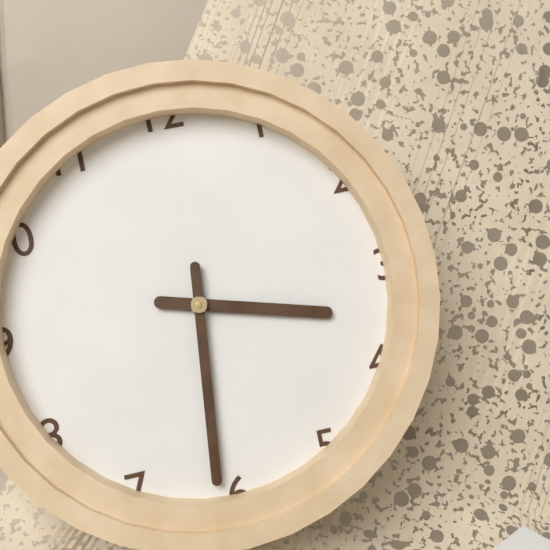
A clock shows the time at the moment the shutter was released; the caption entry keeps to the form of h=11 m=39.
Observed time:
h=3 m=31
